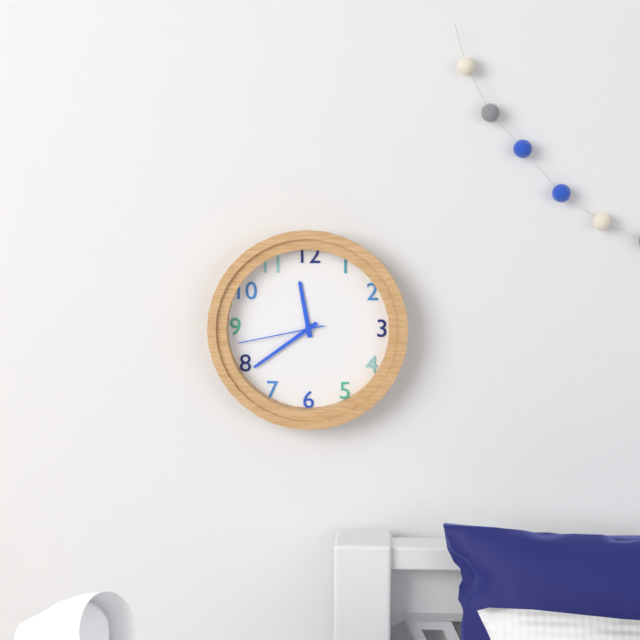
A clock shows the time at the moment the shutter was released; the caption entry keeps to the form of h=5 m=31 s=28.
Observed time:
h=11 m=39 s=43
